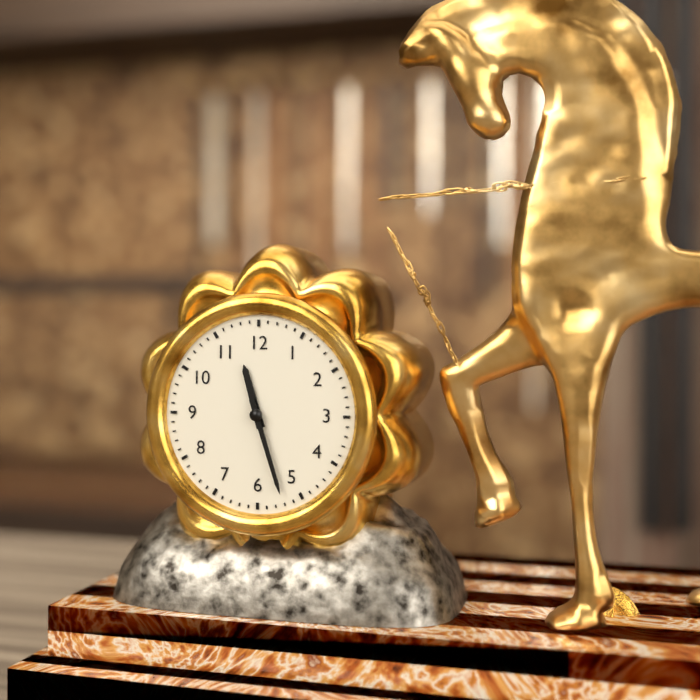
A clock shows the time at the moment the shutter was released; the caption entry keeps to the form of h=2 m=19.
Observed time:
h=11 m=27
